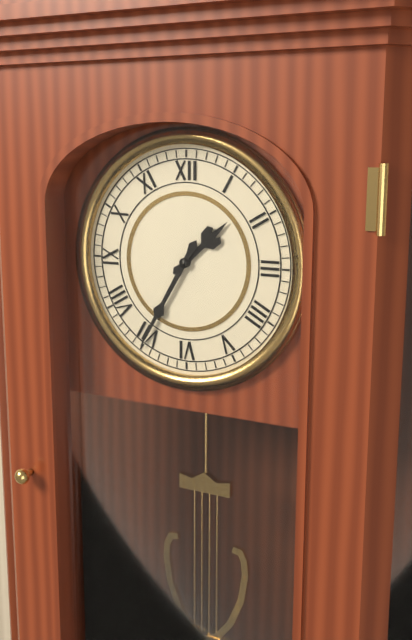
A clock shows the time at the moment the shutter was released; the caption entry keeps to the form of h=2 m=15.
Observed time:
h=1 m=35
